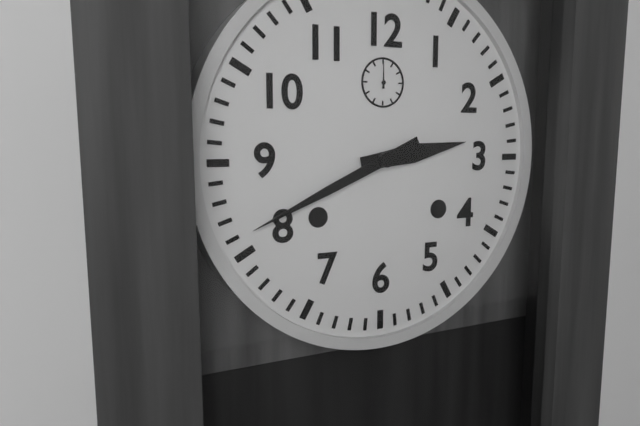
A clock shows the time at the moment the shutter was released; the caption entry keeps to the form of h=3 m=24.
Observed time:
h=2 m=41
